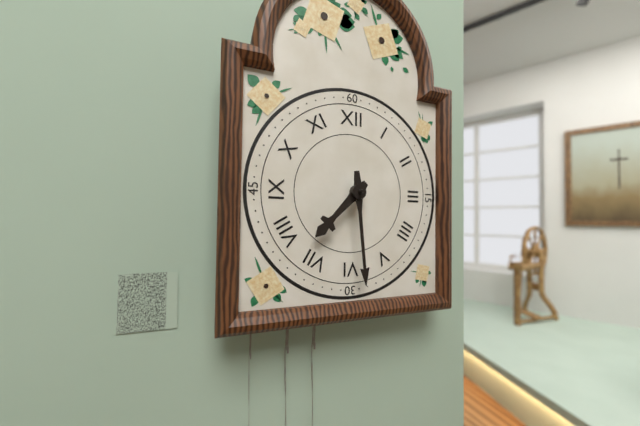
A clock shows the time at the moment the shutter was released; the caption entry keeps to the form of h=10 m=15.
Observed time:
h=7 m=29
